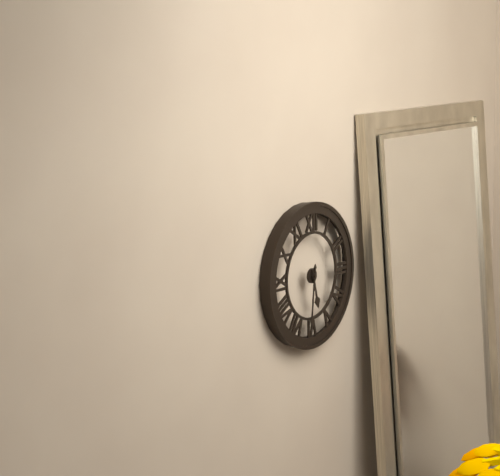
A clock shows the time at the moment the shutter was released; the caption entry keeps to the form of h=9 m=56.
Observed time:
h=5 m=31
